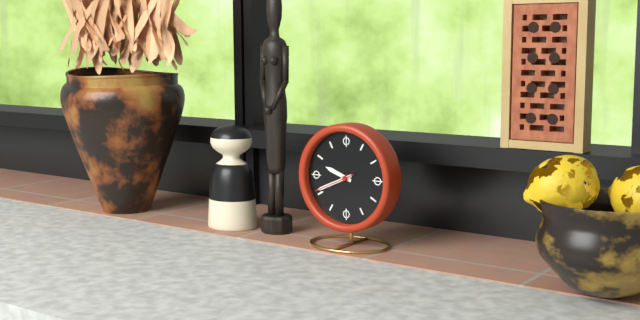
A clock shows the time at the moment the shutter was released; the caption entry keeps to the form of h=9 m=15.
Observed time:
h=9 m=41
